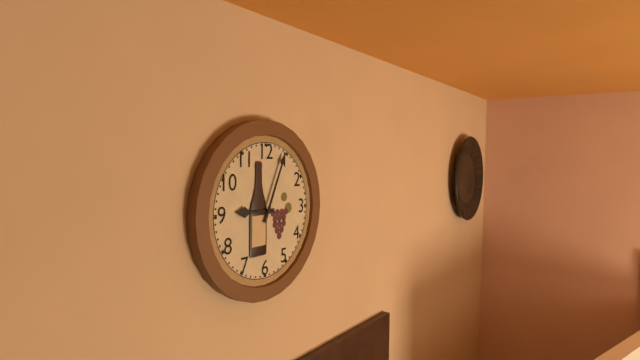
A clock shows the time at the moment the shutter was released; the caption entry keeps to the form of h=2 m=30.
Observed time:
h=9 m=4
